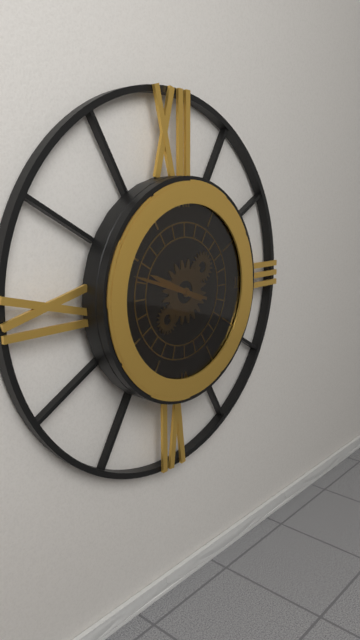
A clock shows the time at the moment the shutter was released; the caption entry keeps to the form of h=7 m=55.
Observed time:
h=9 m=48
